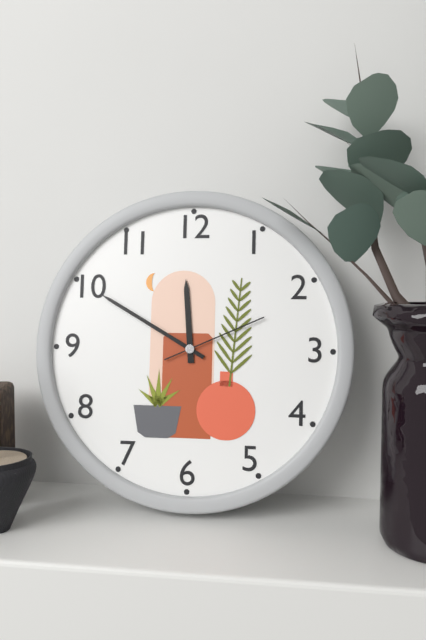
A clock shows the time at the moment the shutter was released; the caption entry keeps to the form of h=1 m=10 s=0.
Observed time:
h=11 m=50 s=11
